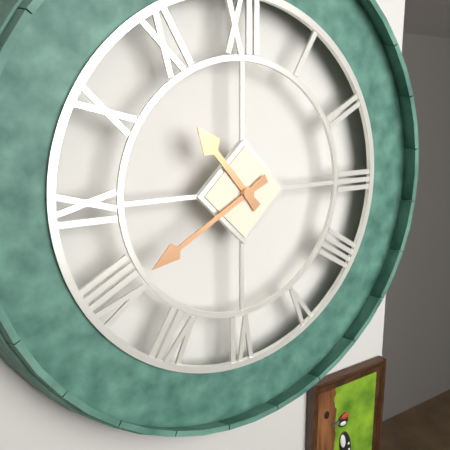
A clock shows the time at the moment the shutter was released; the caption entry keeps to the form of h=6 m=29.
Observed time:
h=10 m=40
